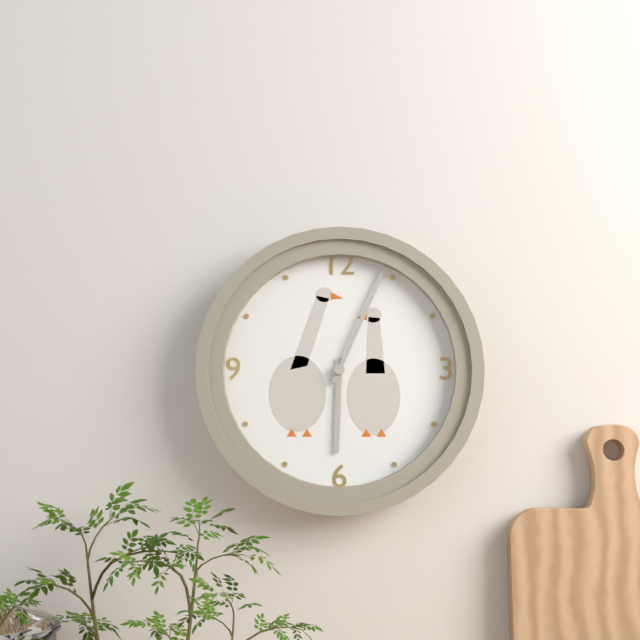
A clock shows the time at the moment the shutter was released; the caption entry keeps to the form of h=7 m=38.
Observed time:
h=6 m=4
